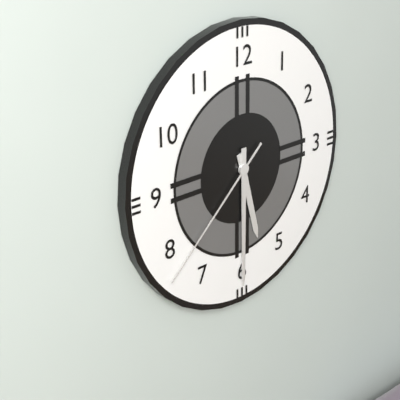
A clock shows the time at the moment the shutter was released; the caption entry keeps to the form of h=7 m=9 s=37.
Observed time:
h=5 m=30 s=38
